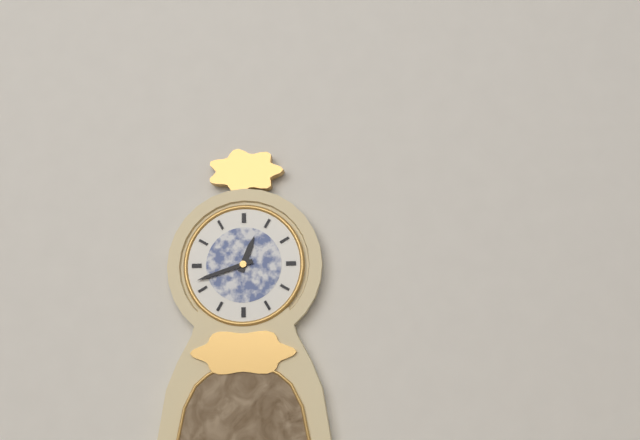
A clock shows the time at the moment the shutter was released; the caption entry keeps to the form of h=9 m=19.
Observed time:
h=12 m=42
